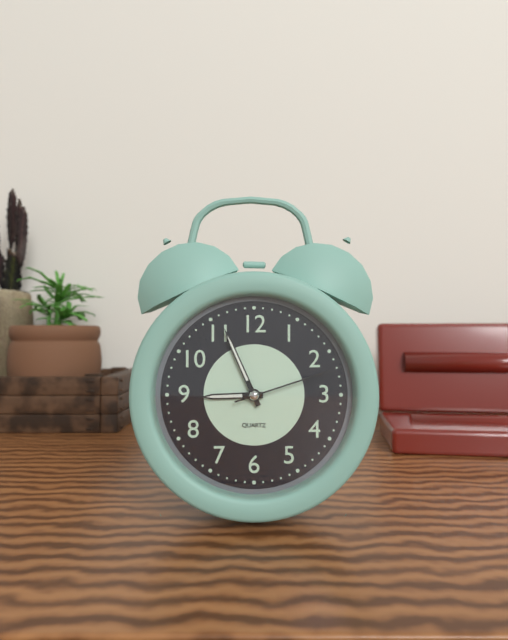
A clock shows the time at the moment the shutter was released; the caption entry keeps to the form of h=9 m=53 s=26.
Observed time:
h=8 m=56 s=12
